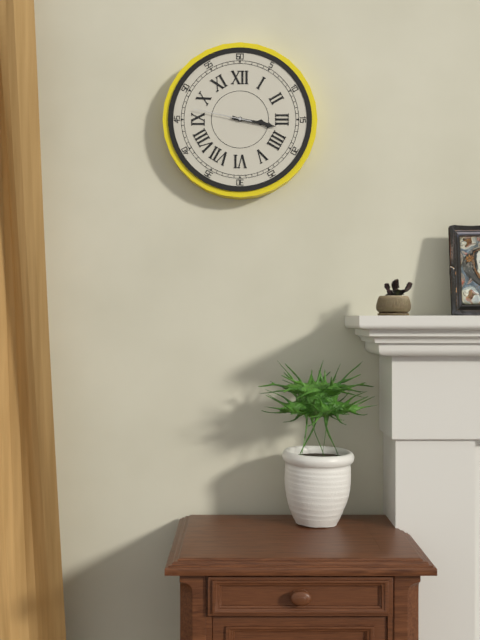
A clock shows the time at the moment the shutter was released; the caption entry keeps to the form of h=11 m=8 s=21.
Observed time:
h=3 m=17 s=47
